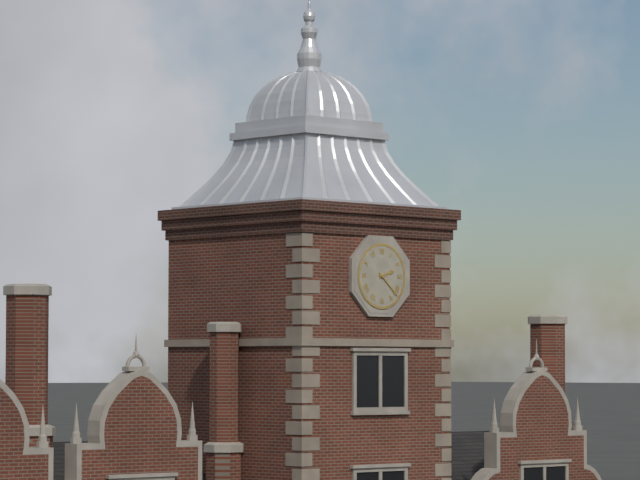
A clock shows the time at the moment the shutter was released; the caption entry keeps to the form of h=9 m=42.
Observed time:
h=2 m=22
